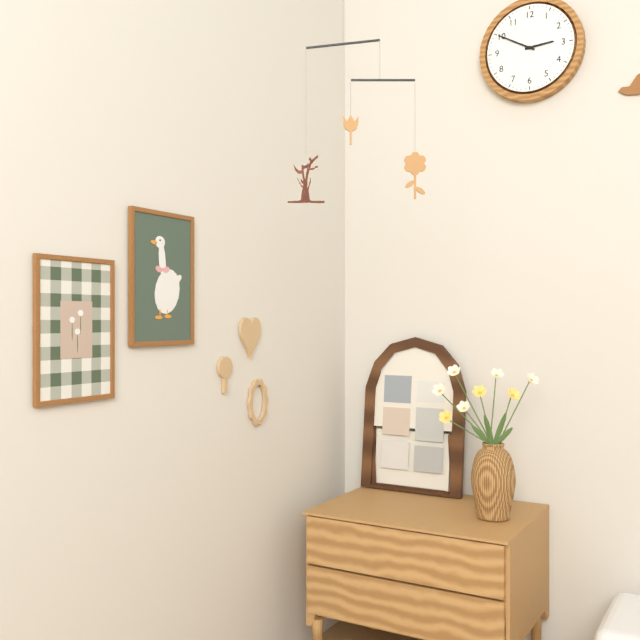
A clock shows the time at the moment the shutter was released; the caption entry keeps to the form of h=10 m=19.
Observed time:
h=2 m=50
